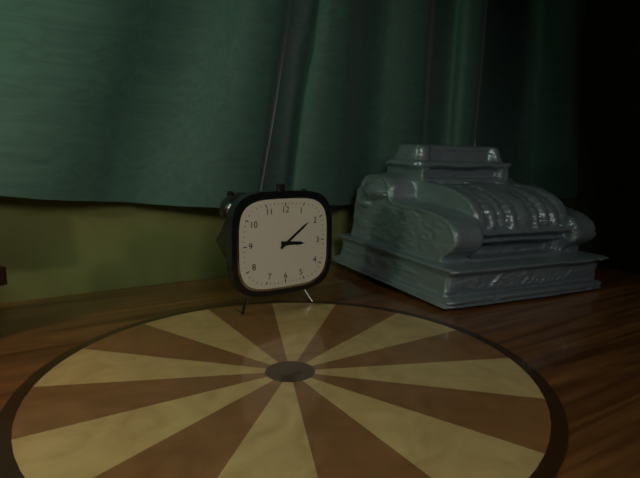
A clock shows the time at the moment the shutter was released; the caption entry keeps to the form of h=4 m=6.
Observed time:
h=3 m=9
